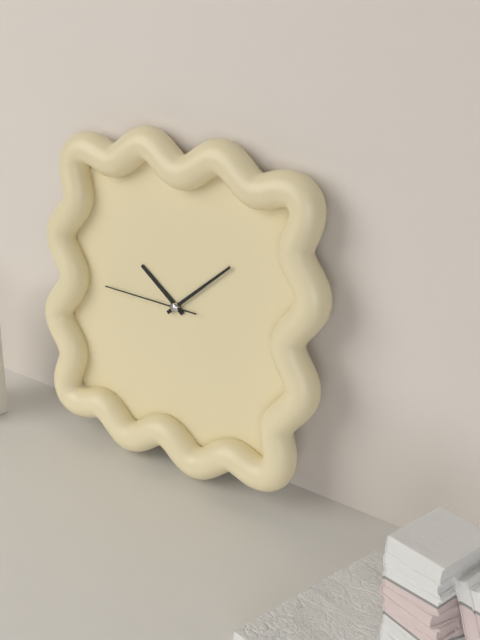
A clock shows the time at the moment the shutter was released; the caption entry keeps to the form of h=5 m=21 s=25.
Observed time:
h=10 m=8 s=45
